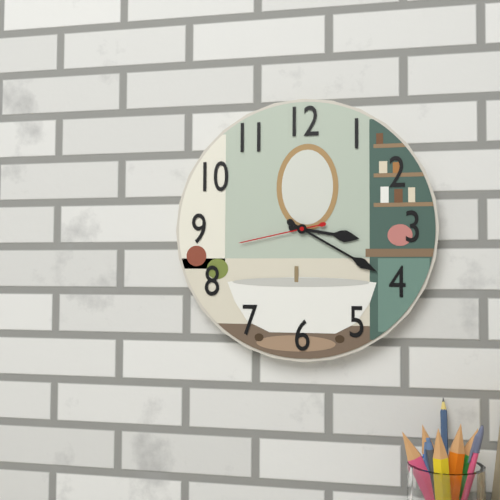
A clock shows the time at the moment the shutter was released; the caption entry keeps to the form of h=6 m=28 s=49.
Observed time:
h=3 m=20 s=43
